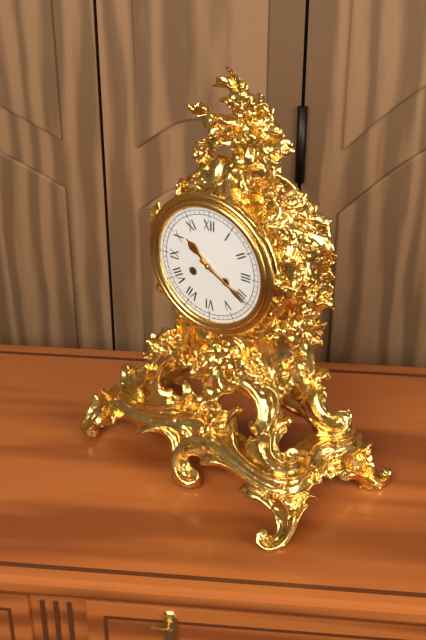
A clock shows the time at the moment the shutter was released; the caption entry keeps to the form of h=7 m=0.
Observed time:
h=10 m=20
